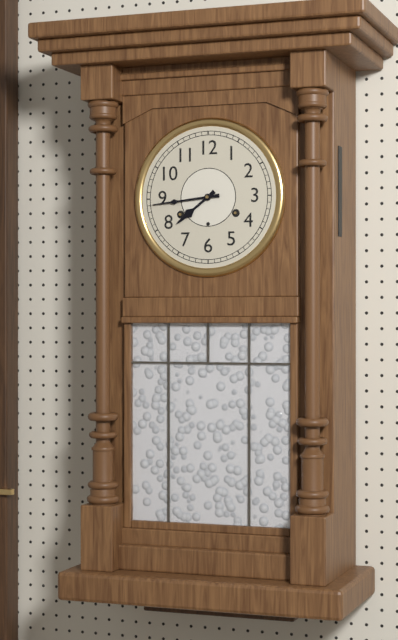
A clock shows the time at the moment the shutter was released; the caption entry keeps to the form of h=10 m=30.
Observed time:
h=7 m=44
